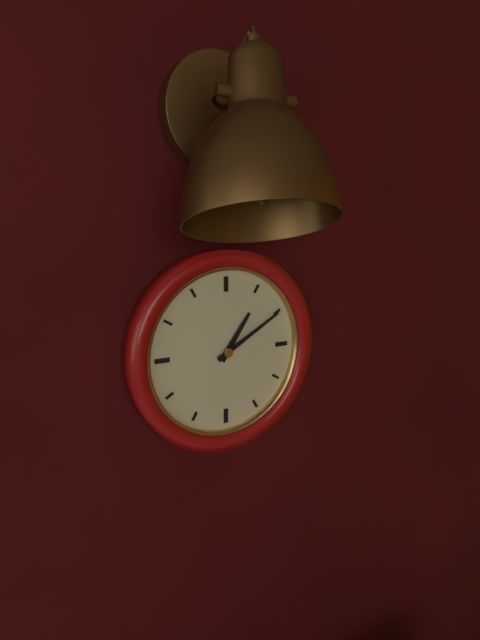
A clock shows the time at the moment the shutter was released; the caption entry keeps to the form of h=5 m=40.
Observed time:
h=1 m=10
